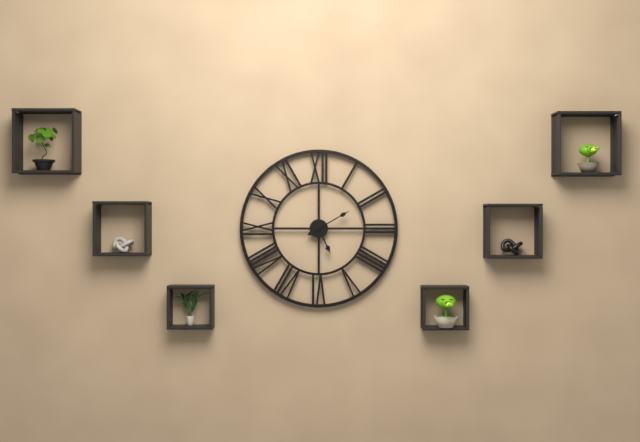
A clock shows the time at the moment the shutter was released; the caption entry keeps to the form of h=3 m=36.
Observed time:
h=5 m=10
